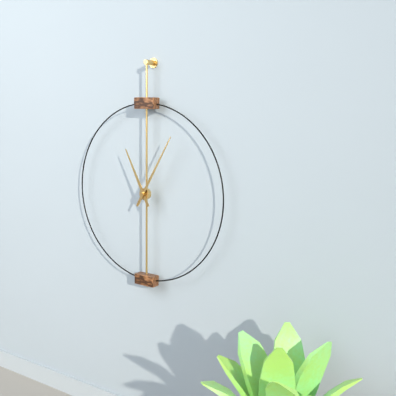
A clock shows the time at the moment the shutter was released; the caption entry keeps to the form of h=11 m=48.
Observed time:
h=11 m=5
